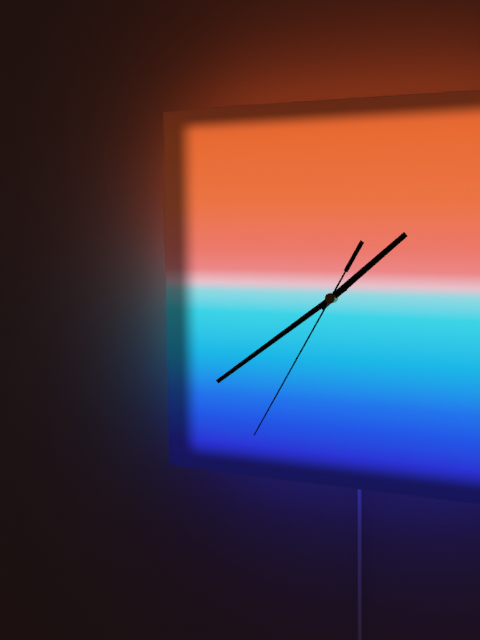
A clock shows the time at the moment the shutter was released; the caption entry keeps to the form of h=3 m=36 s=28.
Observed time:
h=1 m=39 s=35
